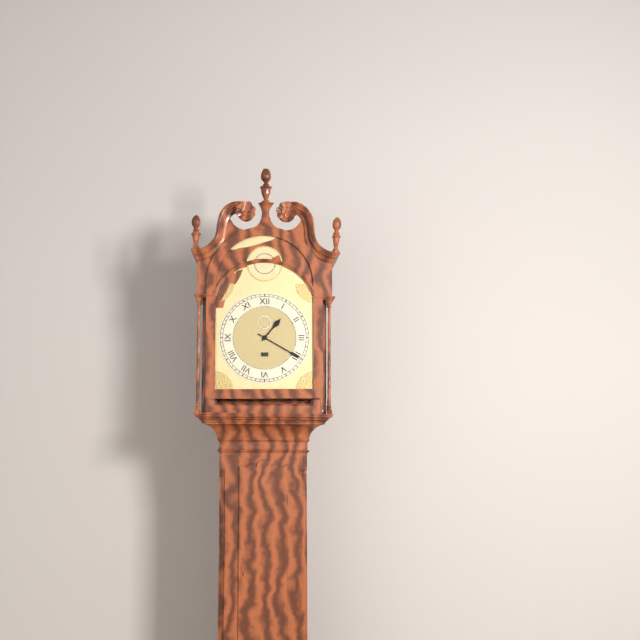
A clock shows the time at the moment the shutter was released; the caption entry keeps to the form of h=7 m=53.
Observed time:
h=1 m=20
